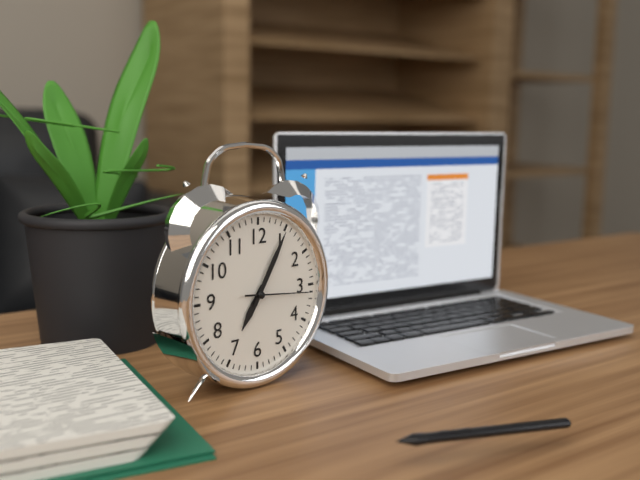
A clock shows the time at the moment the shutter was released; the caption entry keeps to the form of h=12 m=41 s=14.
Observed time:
h=7 m=5 s=16
